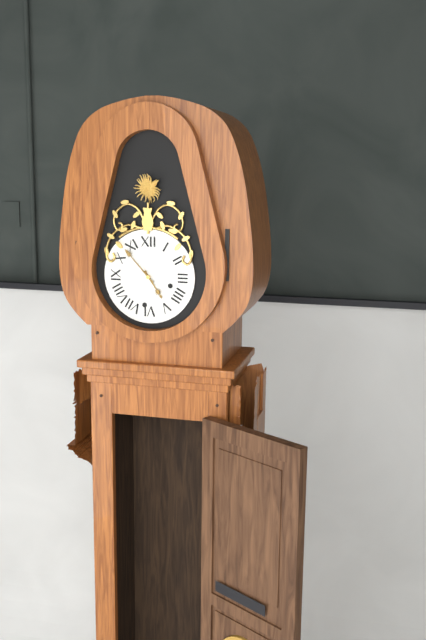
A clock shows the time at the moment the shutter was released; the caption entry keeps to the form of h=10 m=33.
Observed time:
h=4 m=53
